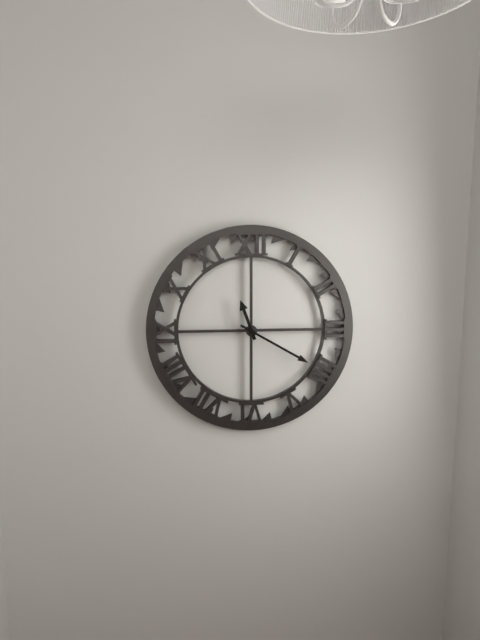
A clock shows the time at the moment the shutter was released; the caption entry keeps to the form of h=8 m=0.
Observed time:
h=11 m=20
